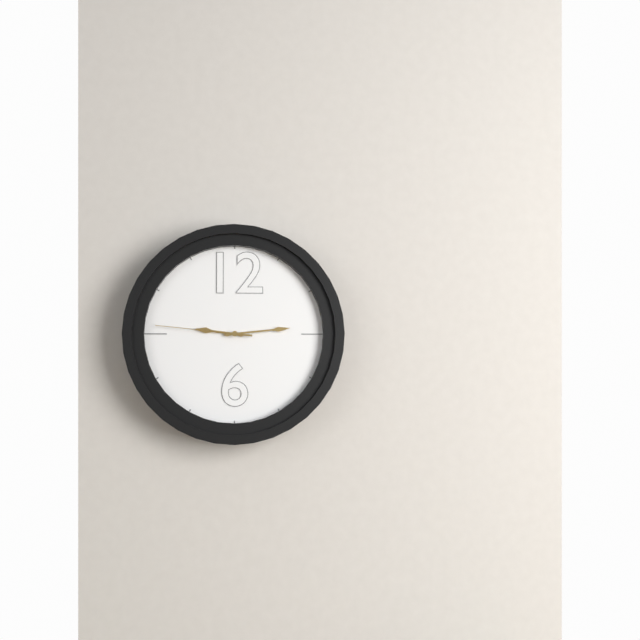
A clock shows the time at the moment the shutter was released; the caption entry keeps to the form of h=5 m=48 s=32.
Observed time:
h=9 m=14 s=46
